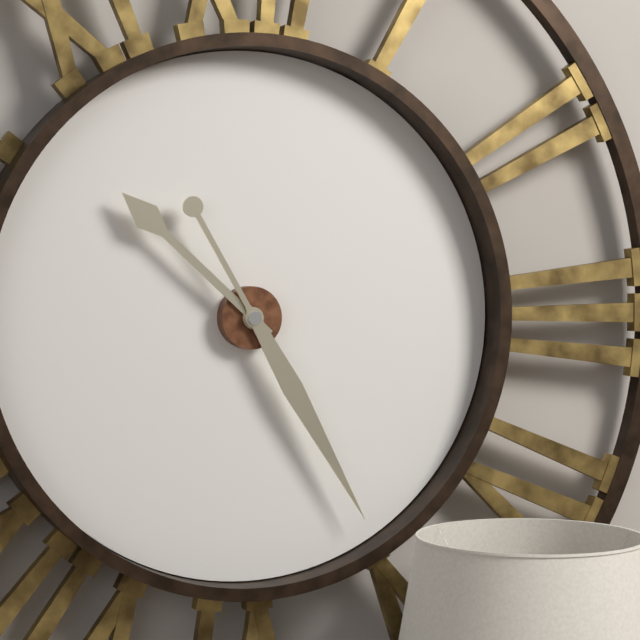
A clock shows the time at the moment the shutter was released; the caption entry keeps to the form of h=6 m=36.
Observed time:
h=10 m=25
